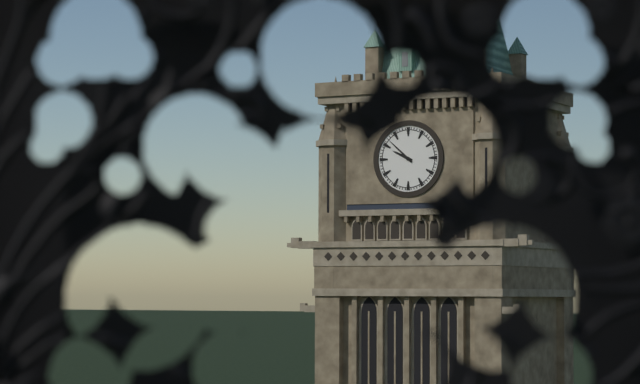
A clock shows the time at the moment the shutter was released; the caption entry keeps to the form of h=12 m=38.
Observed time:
h=9 m=52
